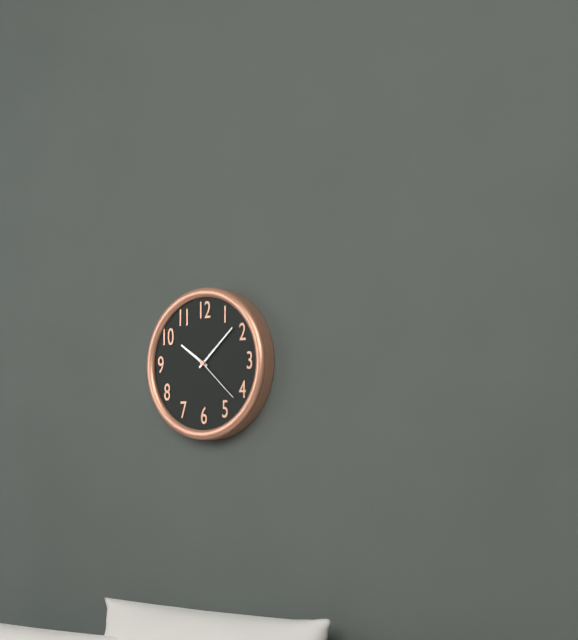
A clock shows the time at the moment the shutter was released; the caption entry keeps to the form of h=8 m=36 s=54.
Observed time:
h=10 m=8 s=22
